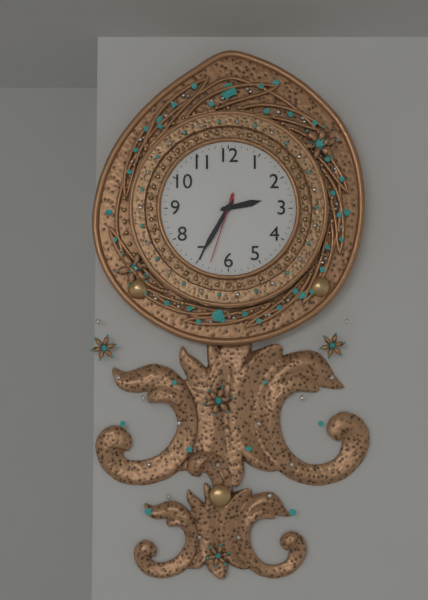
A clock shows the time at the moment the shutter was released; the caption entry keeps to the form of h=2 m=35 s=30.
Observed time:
h=2 m=35 s=33
